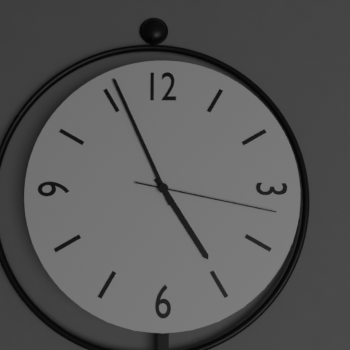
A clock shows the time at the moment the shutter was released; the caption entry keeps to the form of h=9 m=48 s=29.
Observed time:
h=4 m=56 s=17
